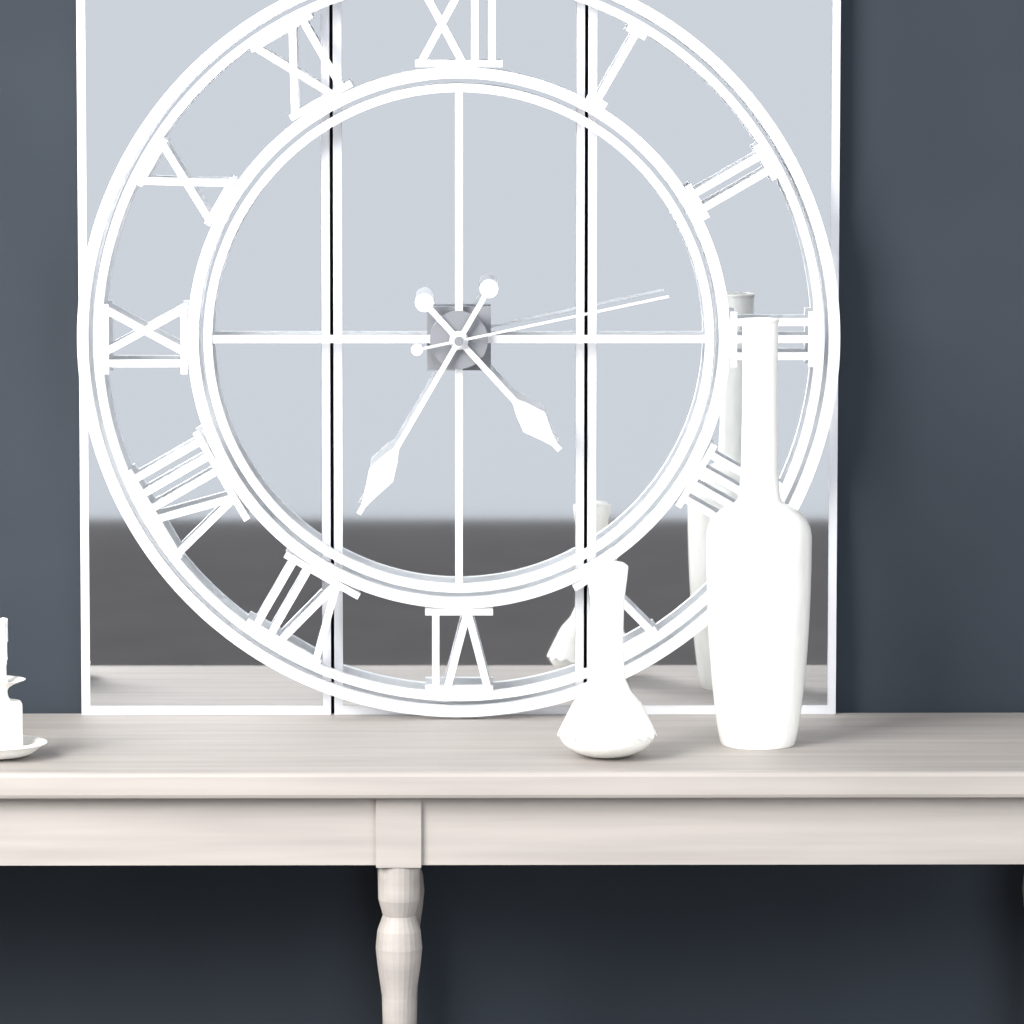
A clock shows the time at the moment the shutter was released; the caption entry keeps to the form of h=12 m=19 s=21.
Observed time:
h=4 m=35 s=13
